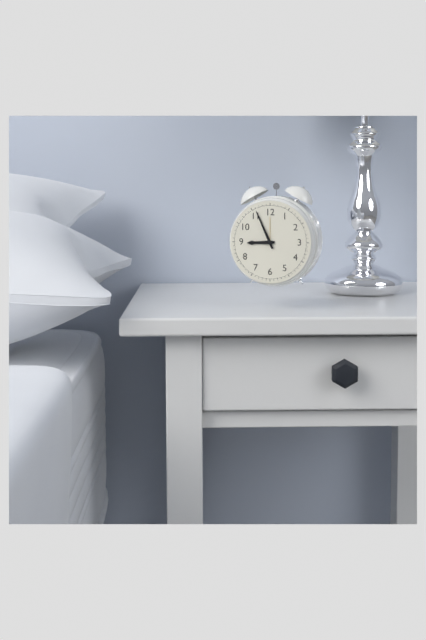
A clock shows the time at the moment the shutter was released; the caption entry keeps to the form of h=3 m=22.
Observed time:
h=8 m=56
